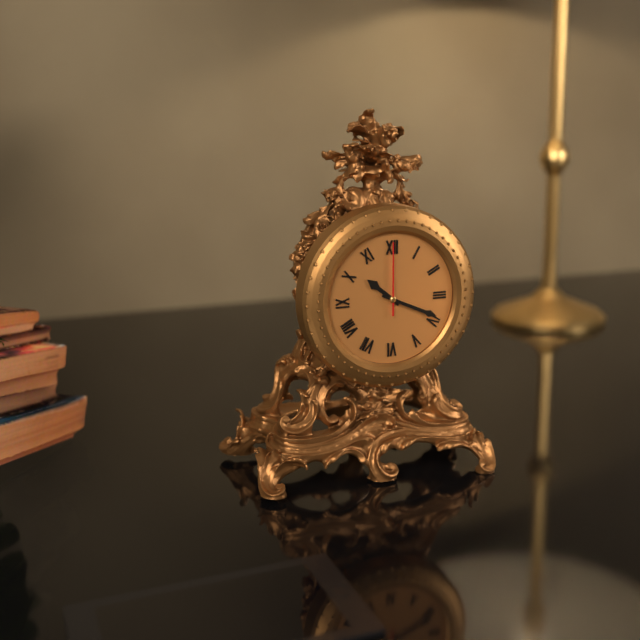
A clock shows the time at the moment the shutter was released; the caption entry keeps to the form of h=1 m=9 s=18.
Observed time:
h=10 m=19 s=0
